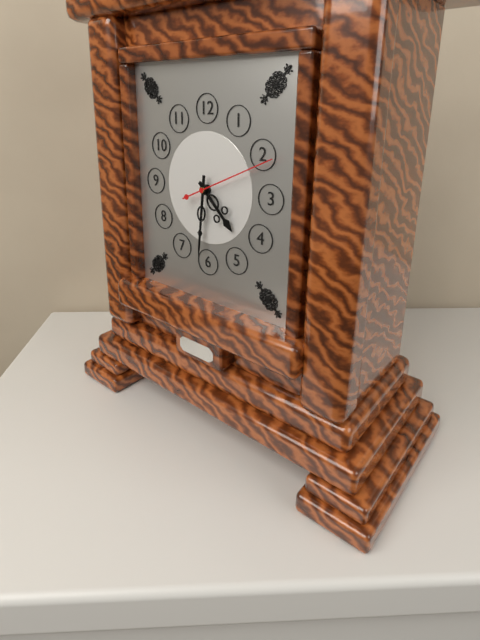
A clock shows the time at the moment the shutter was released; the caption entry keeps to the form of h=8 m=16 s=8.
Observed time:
h=4 m=31 s=11
